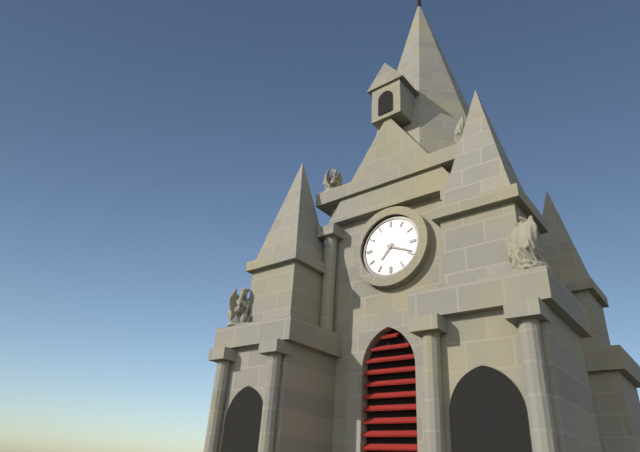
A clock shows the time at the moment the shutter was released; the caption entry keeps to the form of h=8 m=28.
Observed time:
h=7 m=19
